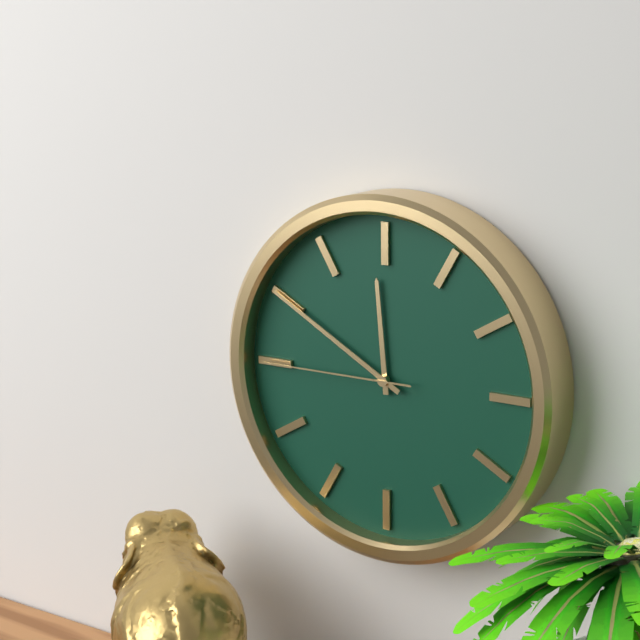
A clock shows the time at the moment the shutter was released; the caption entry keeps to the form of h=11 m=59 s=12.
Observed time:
h=11 m=50 s=45
